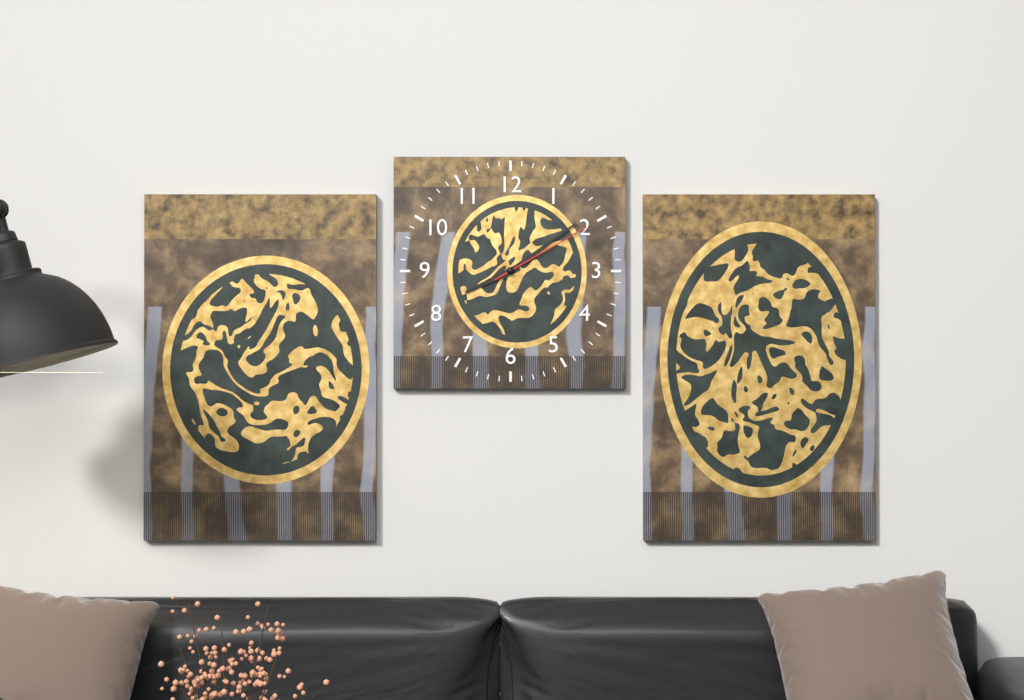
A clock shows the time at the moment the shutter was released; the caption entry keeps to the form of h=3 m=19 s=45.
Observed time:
h=8 m=9 s=10
